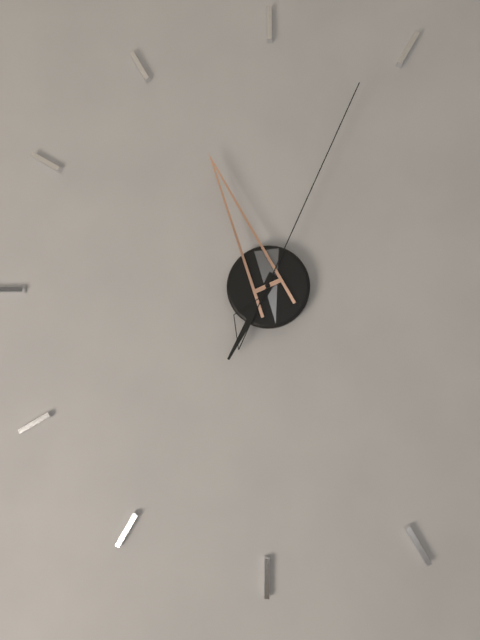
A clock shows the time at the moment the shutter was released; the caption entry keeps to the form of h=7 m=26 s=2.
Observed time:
h=6 m=56 s=4
